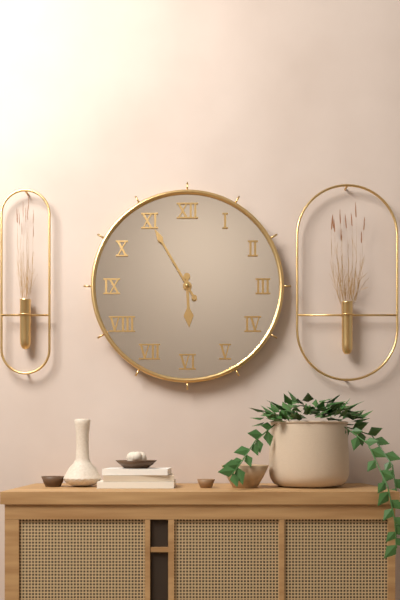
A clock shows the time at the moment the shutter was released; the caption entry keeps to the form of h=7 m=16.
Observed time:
h=5 m=55
